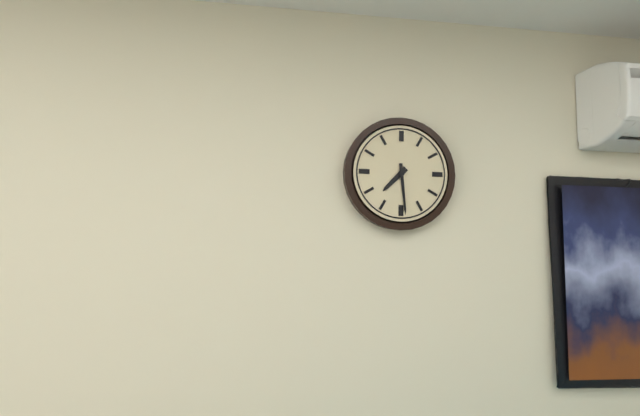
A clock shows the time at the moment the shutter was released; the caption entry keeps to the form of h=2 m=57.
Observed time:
h=7 m=29
